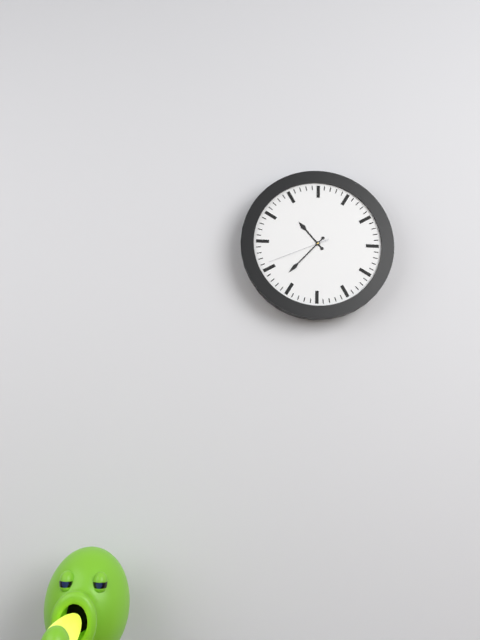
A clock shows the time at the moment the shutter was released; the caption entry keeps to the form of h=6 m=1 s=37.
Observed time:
h=10 m=37 s=41
